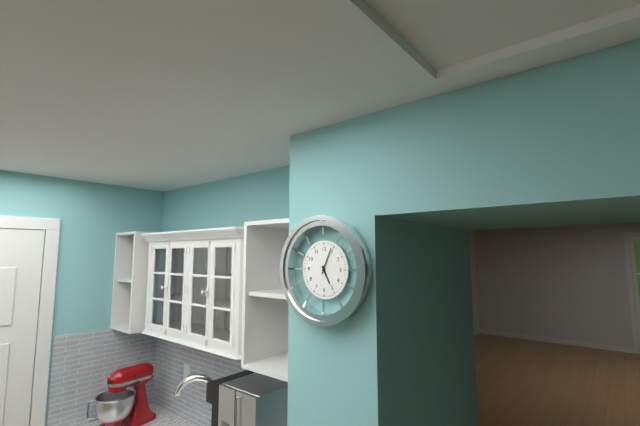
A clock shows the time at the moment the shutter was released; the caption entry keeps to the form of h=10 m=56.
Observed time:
h=5 m=4
